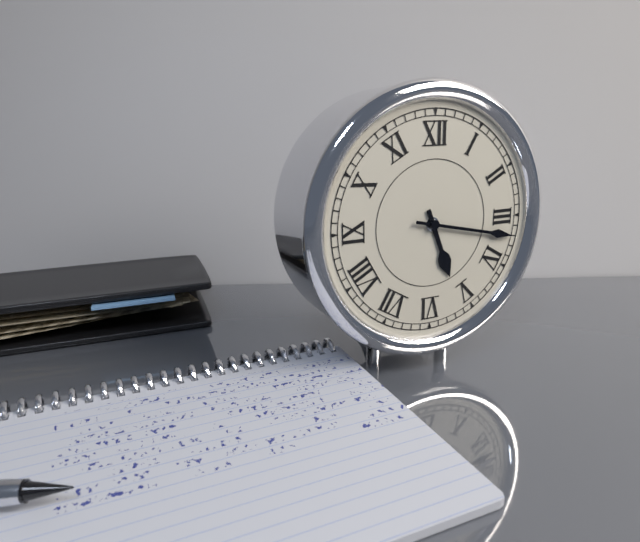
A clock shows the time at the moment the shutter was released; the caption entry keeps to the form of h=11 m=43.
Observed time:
h=5 m=17
